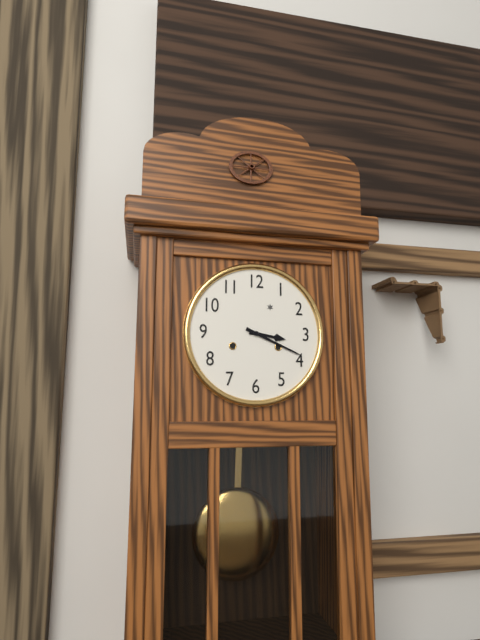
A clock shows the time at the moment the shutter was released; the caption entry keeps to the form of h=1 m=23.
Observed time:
h=3 m=19
